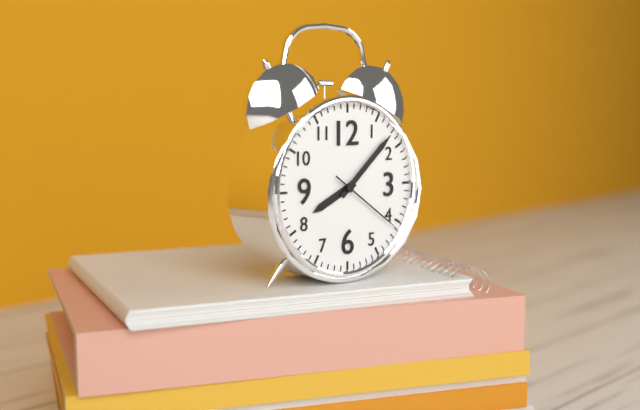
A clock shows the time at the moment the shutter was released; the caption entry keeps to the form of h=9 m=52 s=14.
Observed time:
h=8 m=8 s=21
